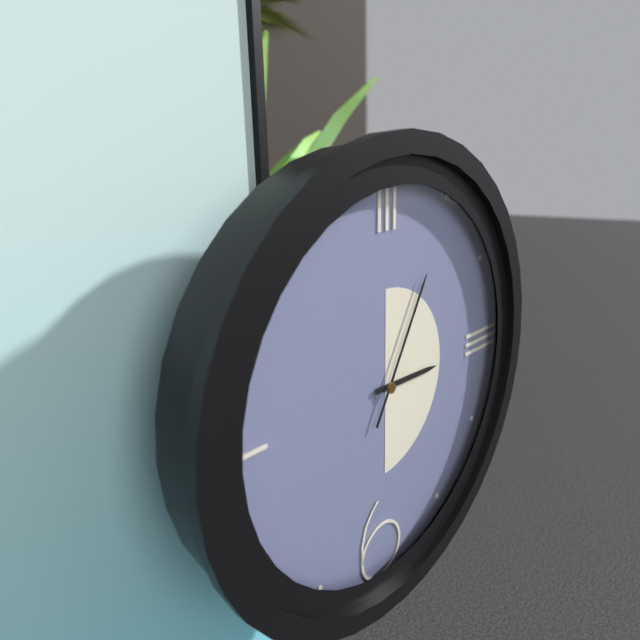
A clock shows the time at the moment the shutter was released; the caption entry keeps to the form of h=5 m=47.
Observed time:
h=3 m=5
